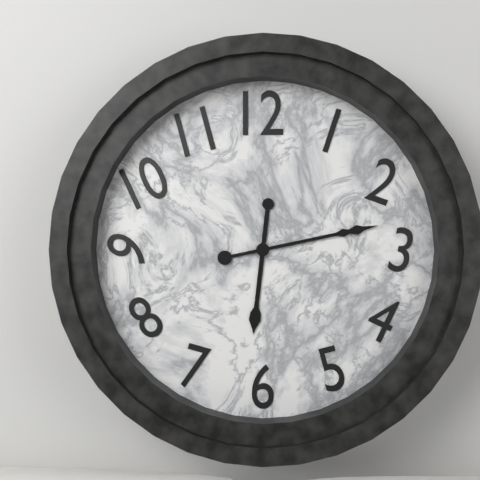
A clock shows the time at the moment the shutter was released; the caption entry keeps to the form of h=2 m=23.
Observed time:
h=6 m=13
